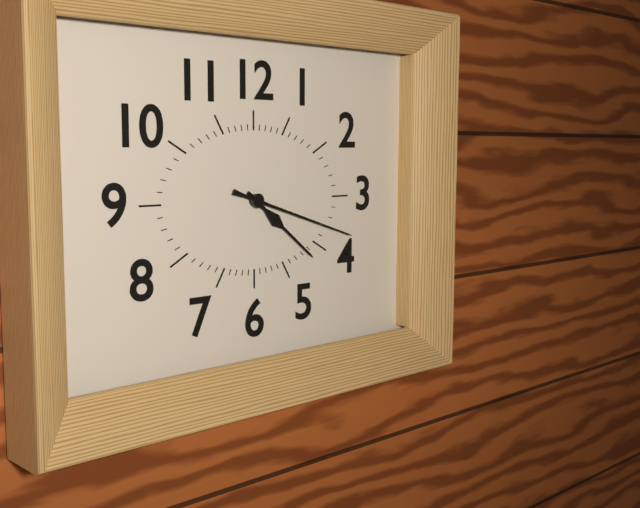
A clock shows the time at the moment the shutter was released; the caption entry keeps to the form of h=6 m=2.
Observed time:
h=4 m=18
